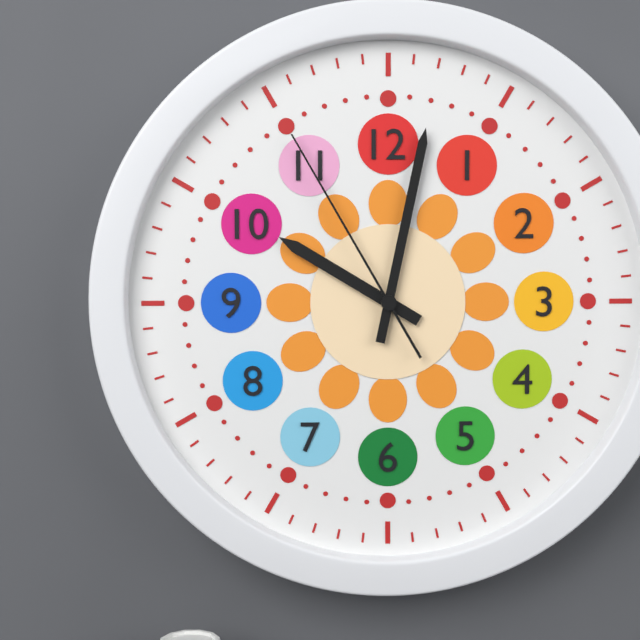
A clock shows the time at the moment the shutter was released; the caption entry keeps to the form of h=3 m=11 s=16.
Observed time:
h=10 m=2 s=55
